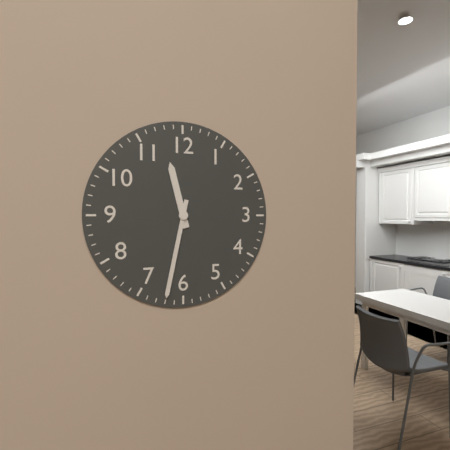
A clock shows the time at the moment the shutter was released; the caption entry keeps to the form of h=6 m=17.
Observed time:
h=11 m=32
